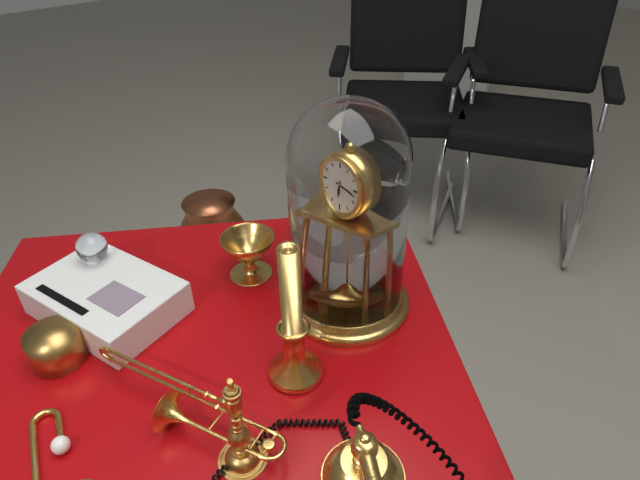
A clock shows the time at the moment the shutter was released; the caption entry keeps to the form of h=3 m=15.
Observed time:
h=6 m=17
